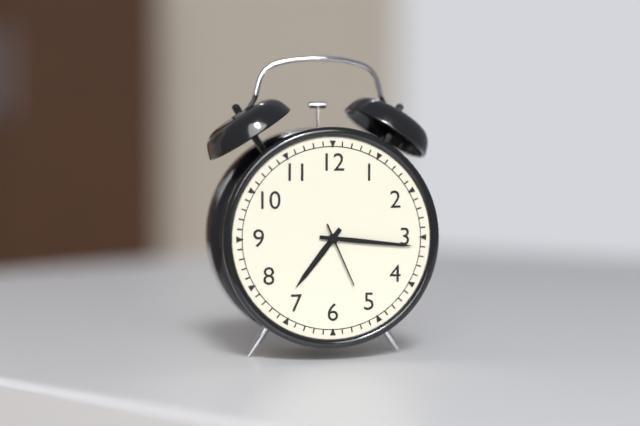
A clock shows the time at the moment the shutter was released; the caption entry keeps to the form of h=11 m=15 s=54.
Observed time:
h=7 m=16 s=26
